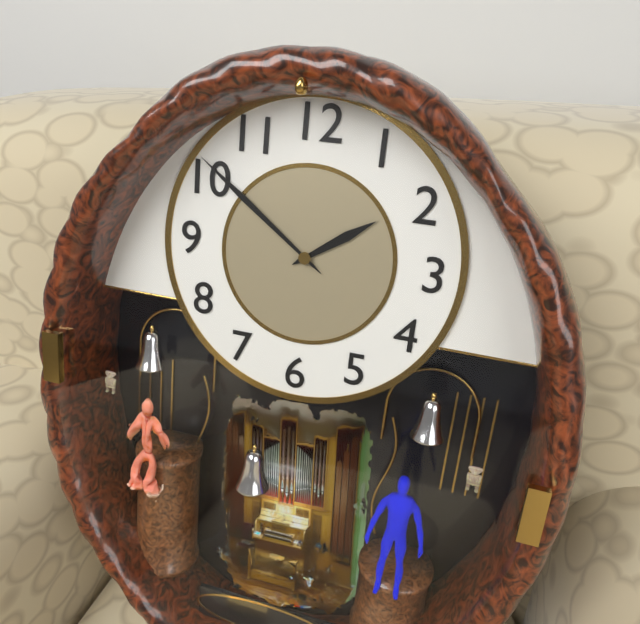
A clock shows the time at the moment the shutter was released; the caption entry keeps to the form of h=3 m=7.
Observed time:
h=1 m=51
